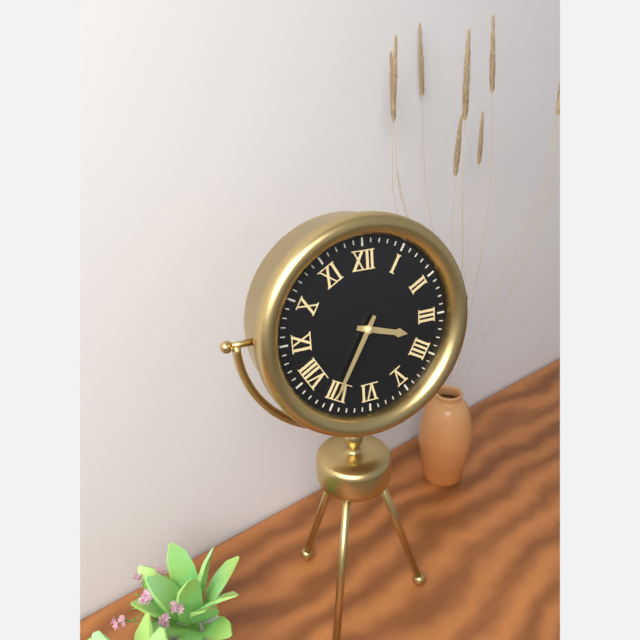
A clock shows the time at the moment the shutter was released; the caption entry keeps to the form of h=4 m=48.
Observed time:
h=3 m=35
